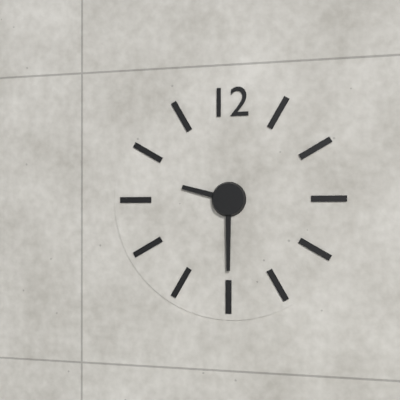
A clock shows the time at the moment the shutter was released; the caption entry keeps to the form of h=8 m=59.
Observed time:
h=9 m=30
